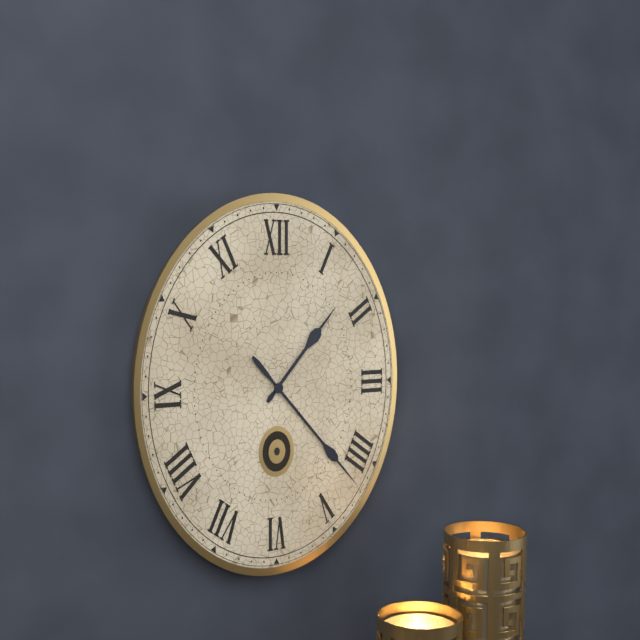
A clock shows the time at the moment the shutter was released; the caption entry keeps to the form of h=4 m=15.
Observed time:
h=1 m=23
